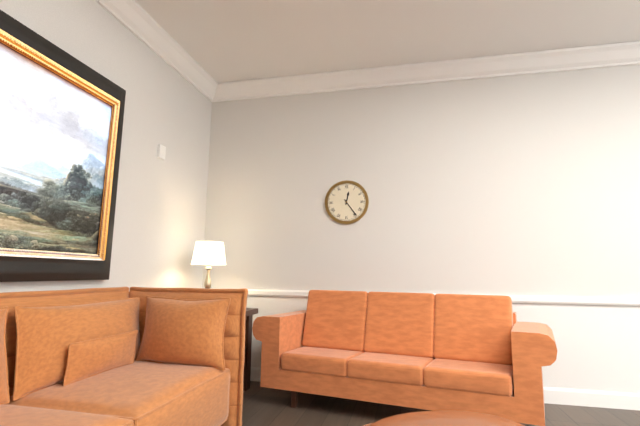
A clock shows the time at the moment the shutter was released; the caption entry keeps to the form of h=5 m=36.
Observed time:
h=12 m=24
